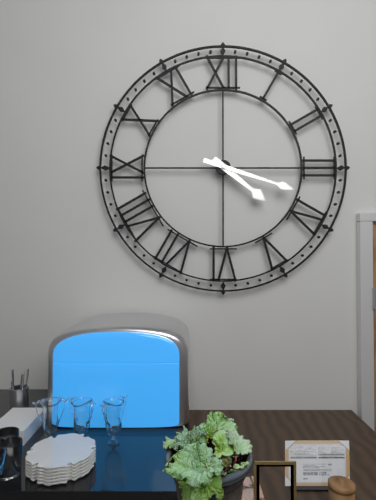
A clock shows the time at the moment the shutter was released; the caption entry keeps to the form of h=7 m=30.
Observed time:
h=4 m=18
